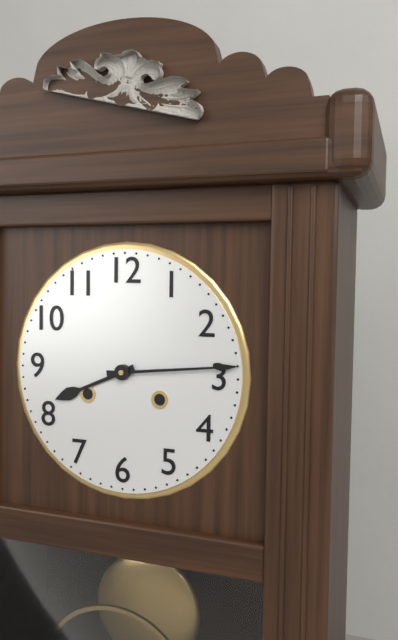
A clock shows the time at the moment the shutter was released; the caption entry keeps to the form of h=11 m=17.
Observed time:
h=8 m=14
